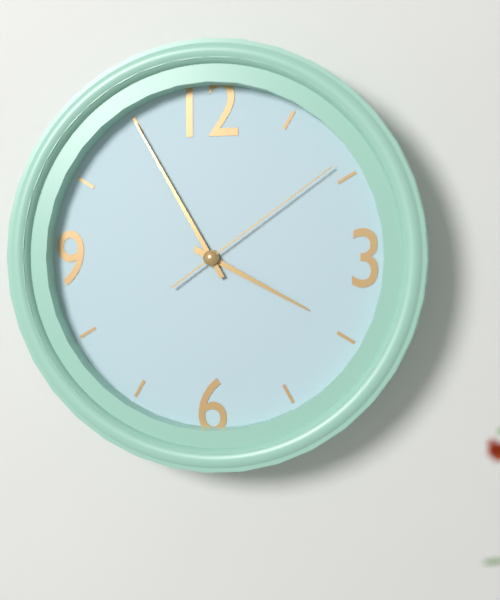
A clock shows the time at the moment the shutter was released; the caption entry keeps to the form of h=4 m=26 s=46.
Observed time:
h=3 m=55 s=9
